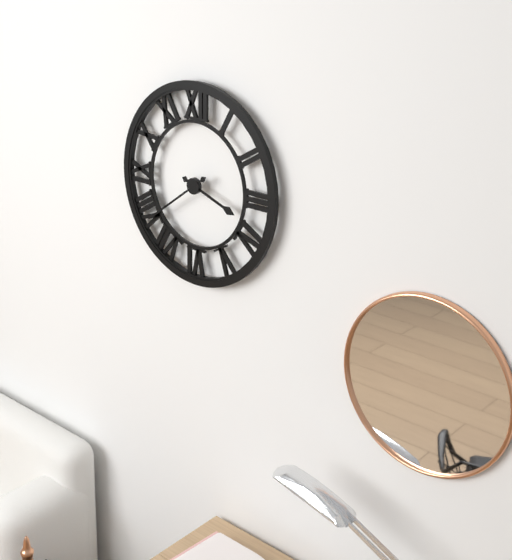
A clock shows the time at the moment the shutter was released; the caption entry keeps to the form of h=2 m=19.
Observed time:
h=3 m=39
